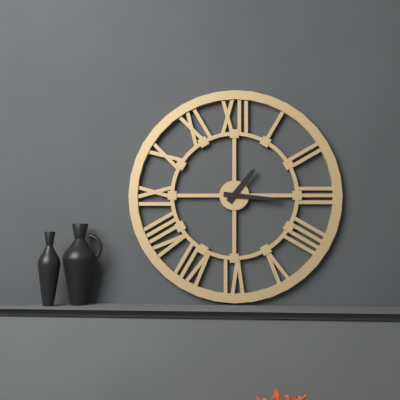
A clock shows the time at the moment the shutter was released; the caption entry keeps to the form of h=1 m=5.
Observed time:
h=1 m=16
